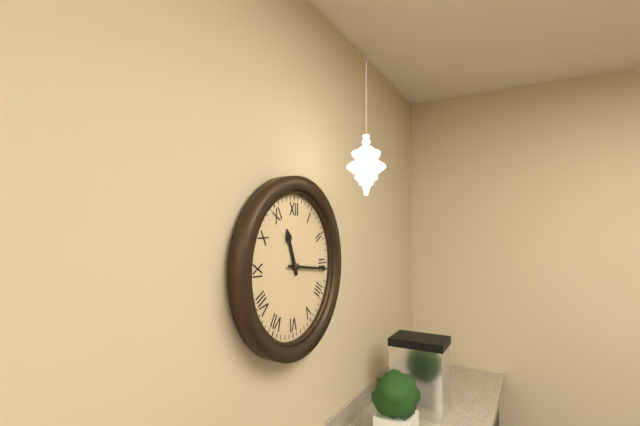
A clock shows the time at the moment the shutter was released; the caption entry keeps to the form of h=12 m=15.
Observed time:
h=11 m=16
